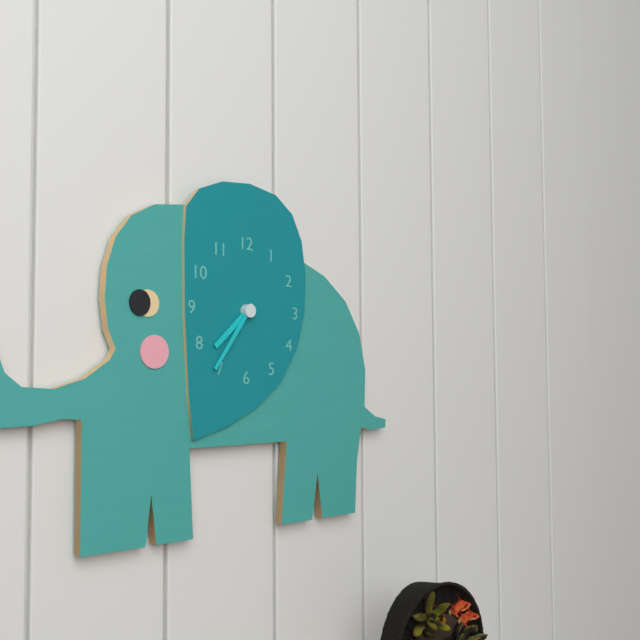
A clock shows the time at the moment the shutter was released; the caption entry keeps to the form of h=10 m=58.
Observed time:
h=7 m=36
